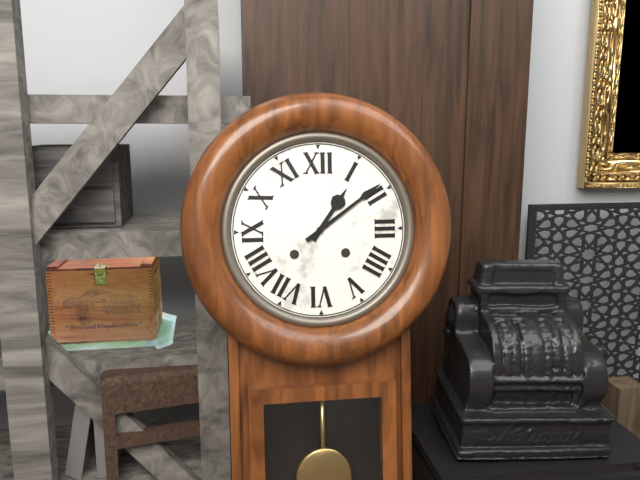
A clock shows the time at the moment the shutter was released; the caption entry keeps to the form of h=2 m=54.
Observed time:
h=1 m=9
